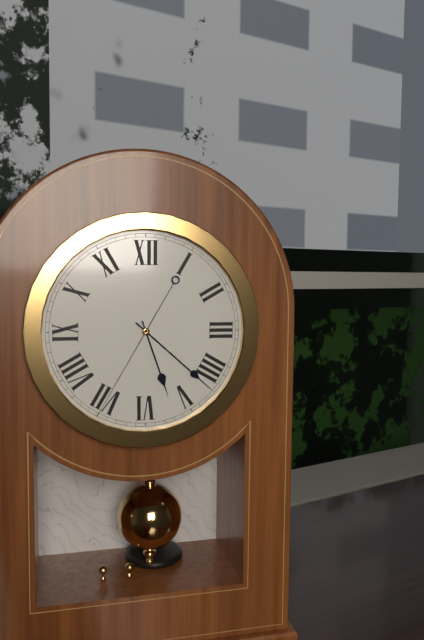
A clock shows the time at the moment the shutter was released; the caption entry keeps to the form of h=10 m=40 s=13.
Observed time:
h=5 m=22 s=35
